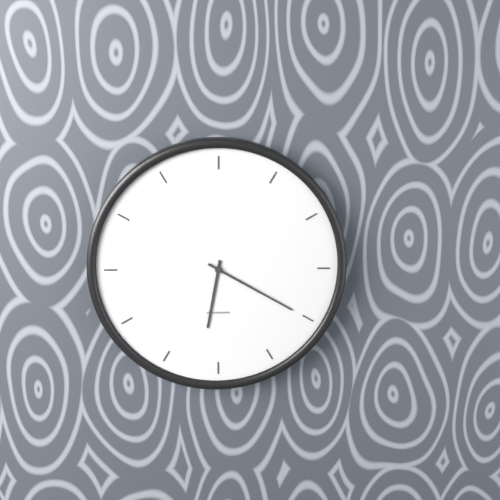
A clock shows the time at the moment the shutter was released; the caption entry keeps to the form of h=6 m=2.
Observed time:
h=6 m=20
